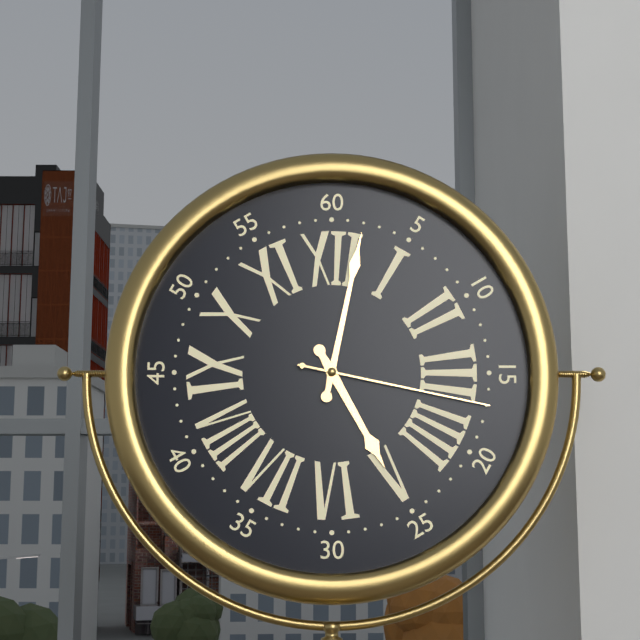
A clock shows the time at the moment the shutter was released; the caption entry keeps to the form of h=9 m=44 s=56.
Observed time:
h=5 m=2 s=17
